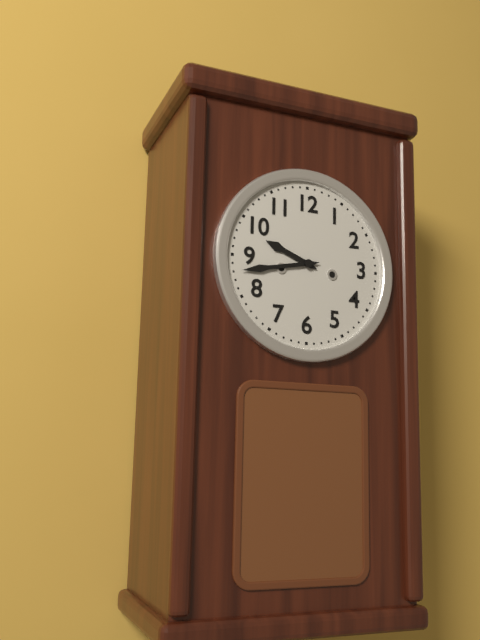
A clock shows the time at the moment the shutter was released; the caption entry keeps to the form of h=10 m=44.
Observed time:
h=9 m=43
